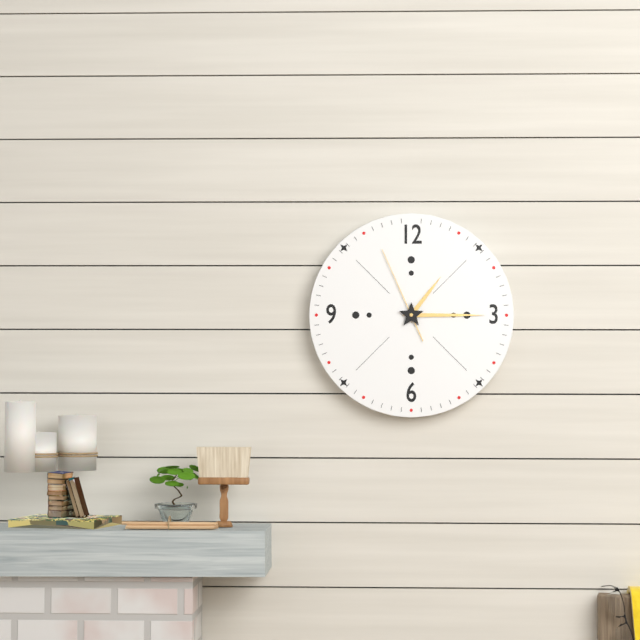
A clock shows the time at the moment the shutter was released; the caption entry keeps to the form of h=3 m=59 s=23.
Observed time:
h=1 m=15 s=56
